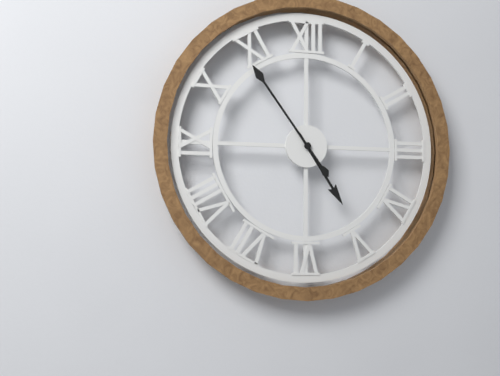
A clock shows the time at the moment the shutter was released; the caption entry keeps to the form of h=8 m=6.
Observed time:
h=4 m=54
